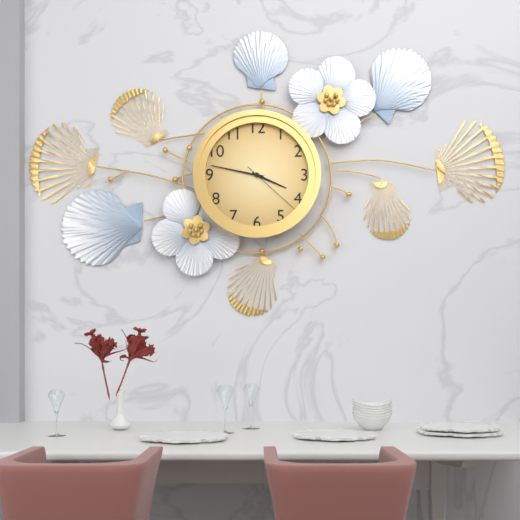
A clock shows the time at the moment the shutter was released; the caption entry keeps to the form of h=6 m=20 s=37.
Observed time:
h=3 m=47 s=22
